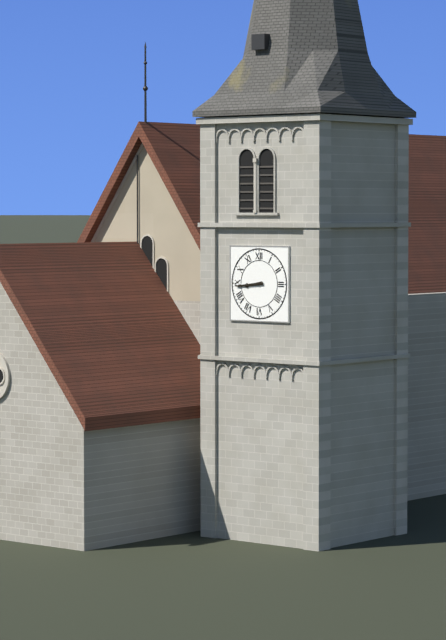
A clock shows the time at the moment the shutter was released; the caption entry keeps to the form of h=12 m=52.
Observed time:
h=8 m=44
